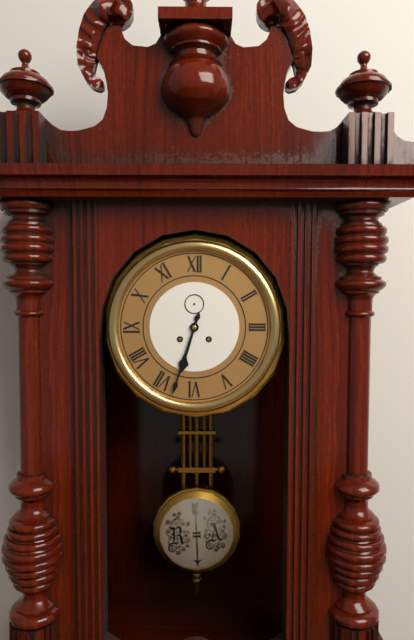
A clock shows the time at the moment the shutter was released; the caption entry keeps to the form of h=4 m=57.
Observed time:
h=6 m=33
